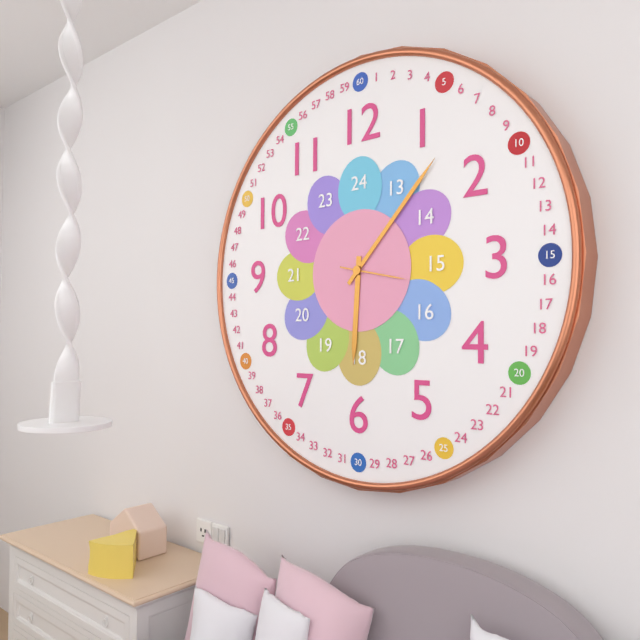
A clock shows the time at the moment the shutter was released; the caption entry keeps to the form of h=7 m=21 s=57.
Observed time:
h=6 m=7 s=17
